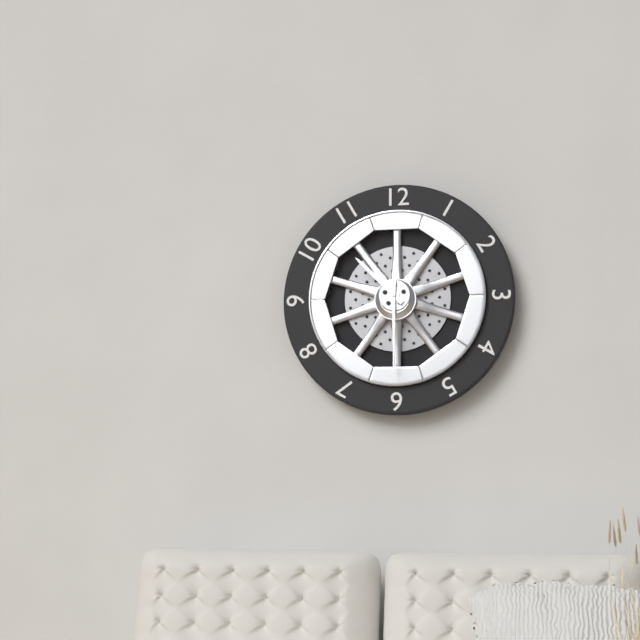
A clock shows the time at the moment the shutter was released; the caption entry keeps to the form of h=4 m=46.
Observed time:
h=10 m=30
